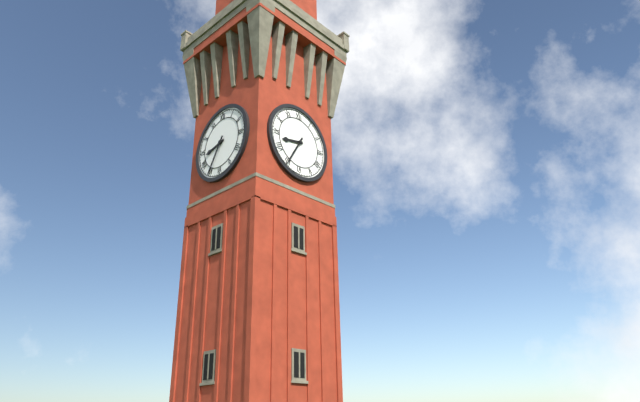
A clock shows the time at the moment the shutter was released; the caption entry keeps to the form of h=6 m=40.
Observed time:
h=8 m=35
